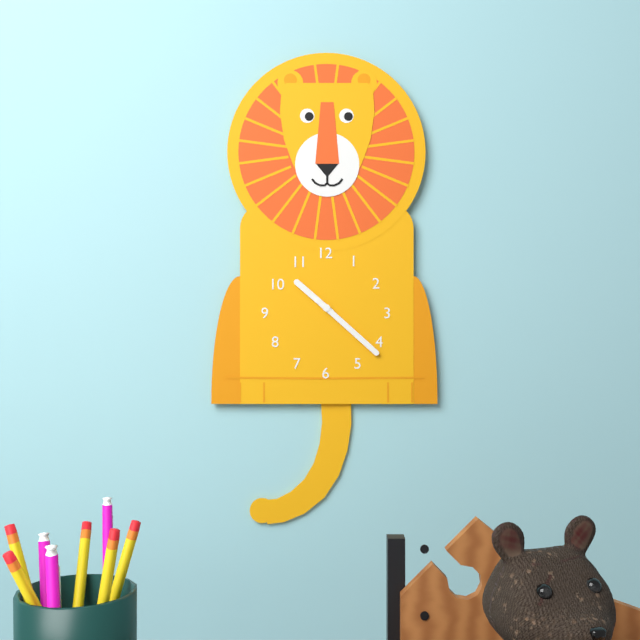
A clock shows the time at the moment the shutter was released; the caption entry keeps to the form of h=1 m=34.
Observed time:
h=10 m=22
